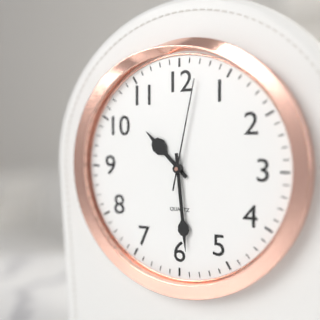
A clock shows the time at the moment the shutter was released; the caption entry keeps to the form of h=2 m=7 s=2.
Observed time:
h=10 m=29 s=2
